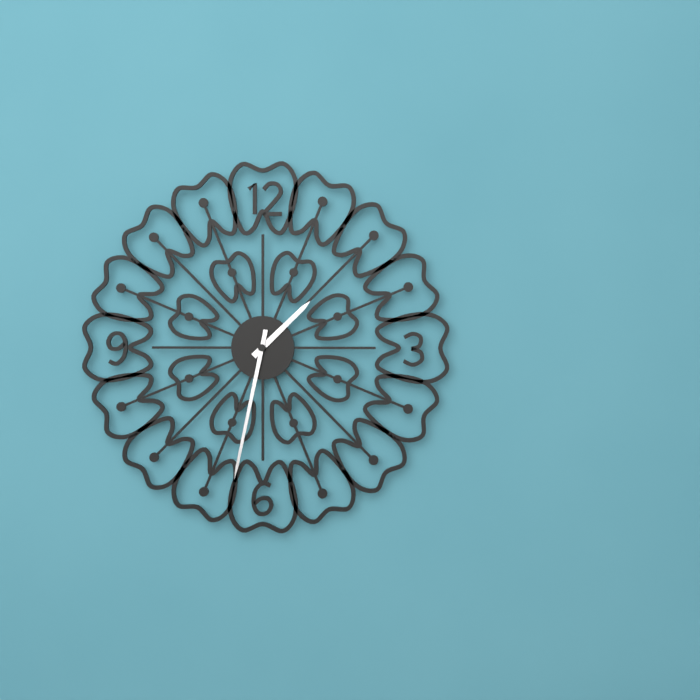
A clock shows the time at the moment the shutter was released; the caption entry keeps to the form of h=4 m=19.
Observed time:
h=1 m=32
